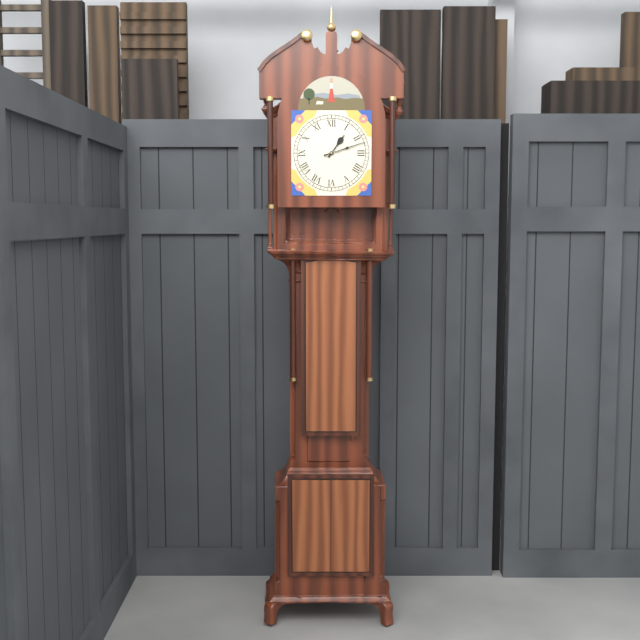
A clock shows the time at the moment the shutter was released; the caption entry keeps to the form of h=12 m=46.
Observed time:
h=1 m=12
